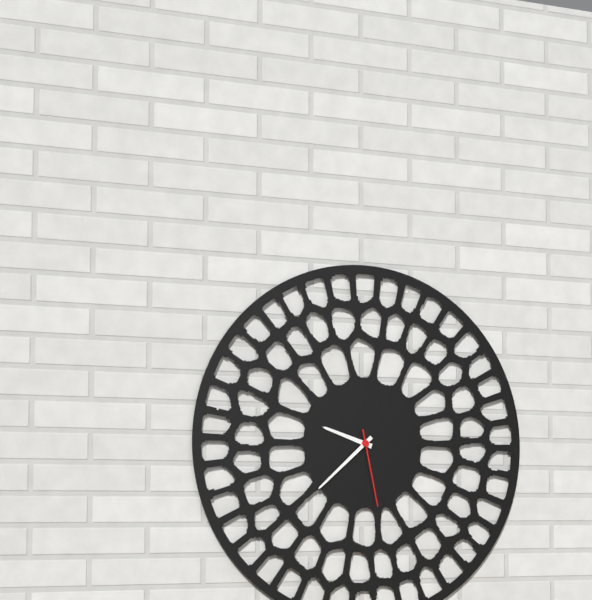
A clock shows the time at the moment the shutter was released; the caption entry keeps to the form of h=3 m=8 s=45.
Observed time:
h=9 m=38 s=28
